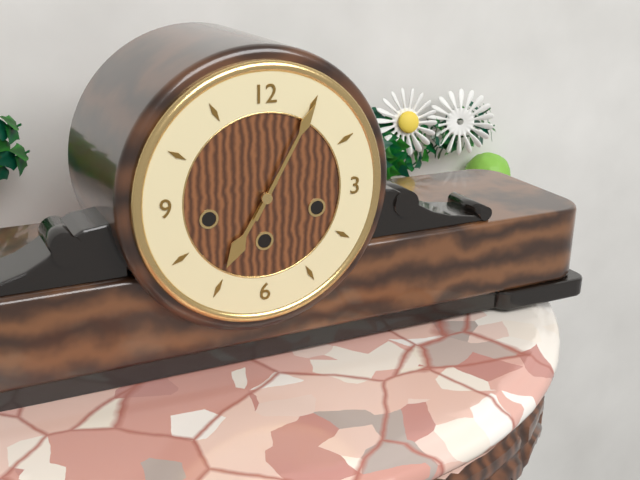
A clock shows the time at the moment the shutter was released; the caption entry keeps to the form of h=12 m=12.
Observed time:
h=7 m=5
